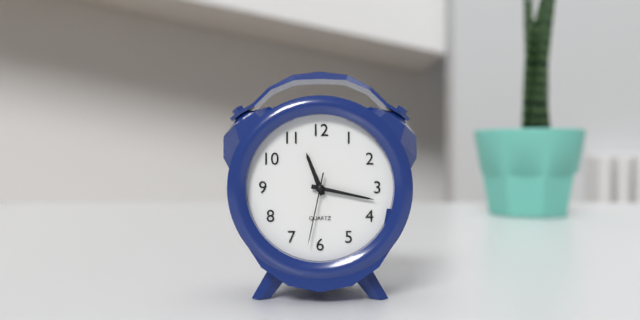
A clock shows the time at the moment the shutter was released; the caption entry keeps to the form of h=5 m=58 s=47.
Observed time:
h=11 m=17 s=32
